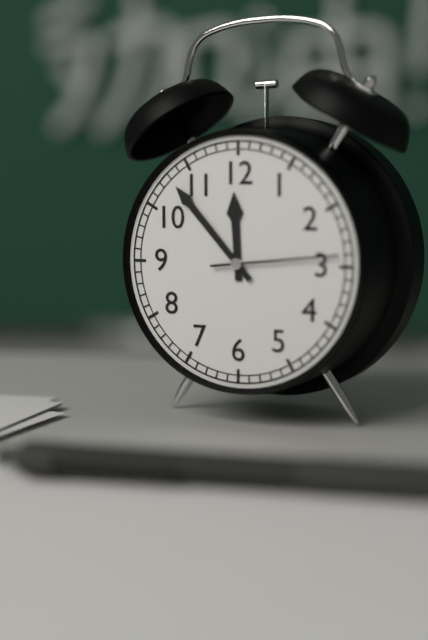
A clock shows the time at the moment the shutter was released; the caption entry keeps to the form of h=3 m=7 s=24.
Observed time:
h=11 m=53 s=14
